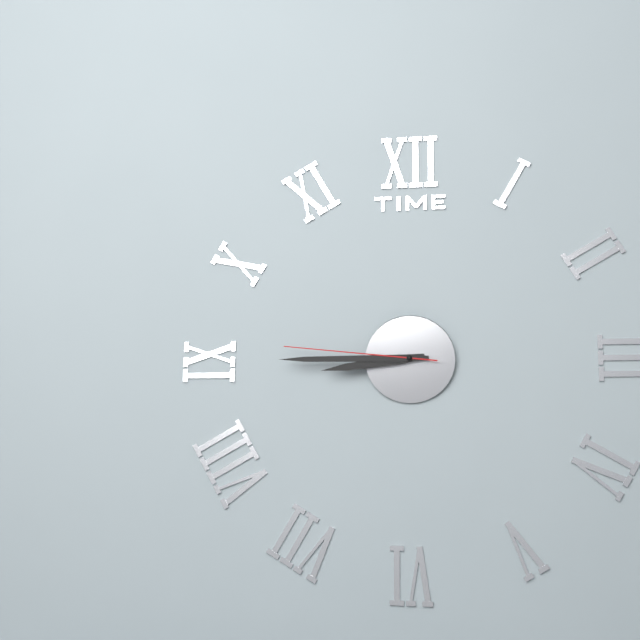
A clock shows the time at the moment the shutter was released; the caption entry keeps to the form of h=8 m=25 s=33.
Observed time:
h=8 m=45 s=46
